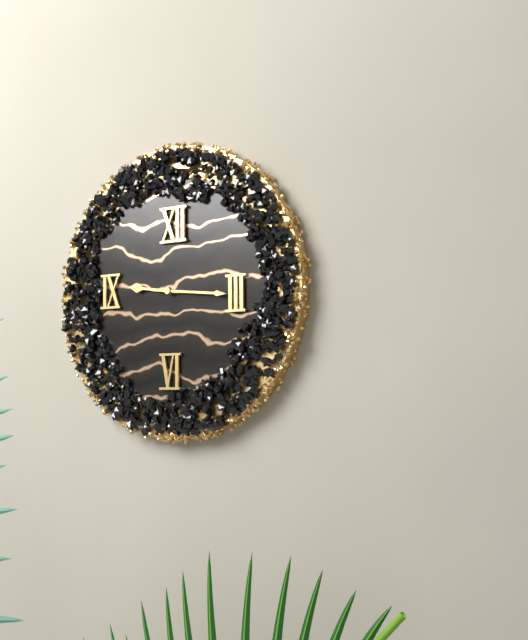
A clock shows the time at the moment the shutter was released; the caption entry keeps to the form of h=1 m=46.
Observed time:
h=9 m=16
